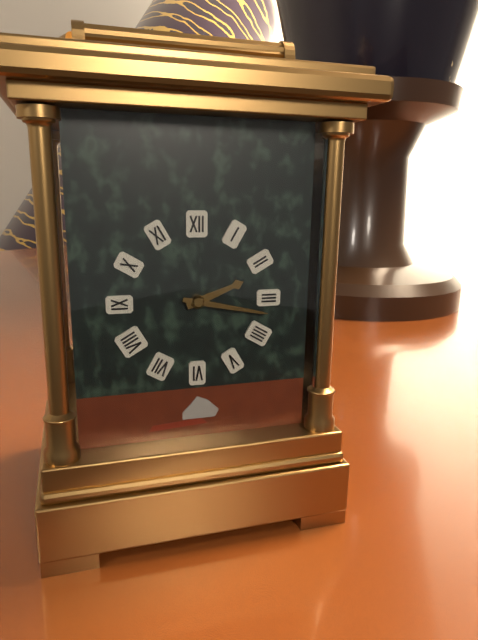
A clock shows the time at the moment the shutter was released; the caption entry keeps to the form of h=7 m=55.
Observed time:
h=2 m=17
